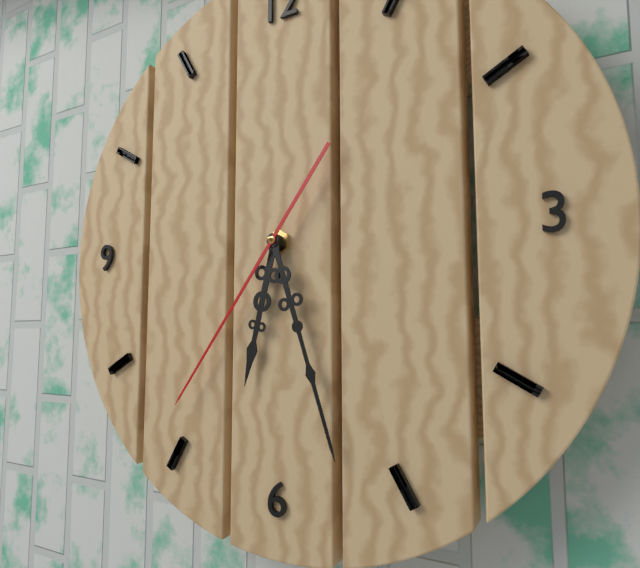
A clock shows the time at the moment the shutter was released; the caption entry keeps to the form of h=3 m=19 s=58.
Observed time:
h=6 m=27 s=36
